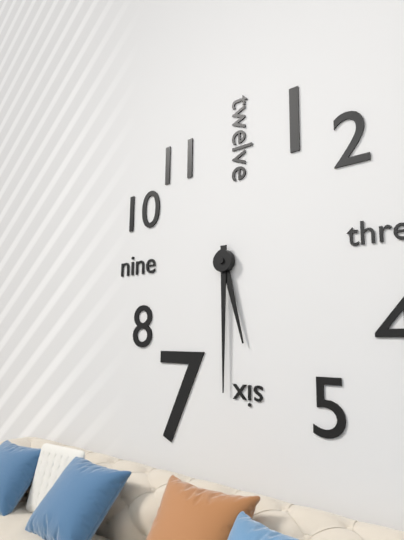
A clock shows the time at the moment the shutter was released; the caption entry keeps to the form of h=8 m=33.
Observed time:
h=5 m=30
